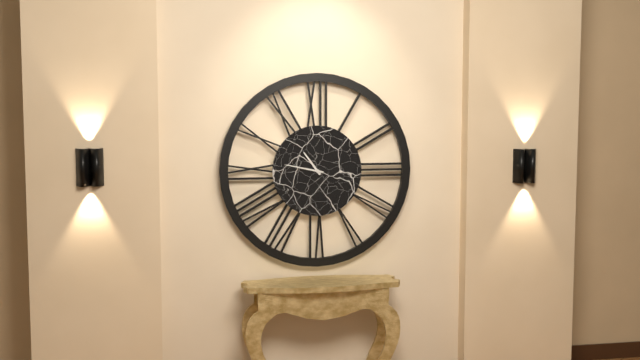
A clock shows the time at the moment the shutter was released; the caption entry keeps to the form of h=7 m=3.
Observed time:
h=10 m=47
